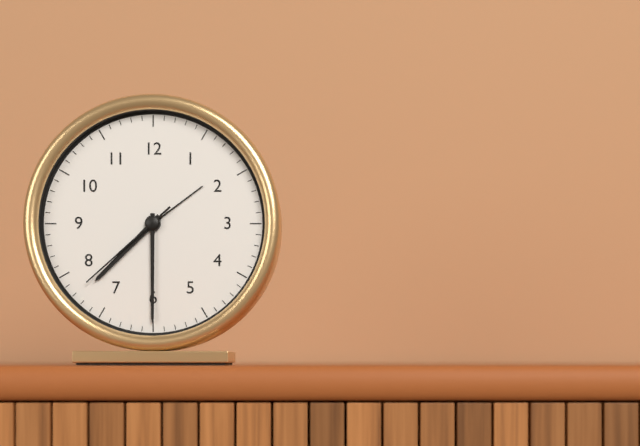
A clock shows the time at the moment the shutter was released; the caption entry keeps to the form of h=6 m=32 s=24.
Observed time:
h=7 m=30 s=38
